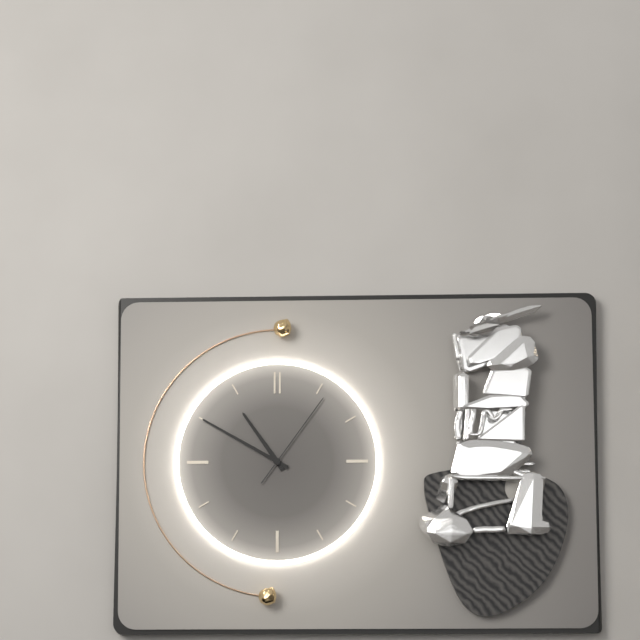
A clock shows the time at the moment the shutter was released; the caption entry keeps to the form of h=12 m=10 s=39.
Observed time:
h=10 m=50 s=6
